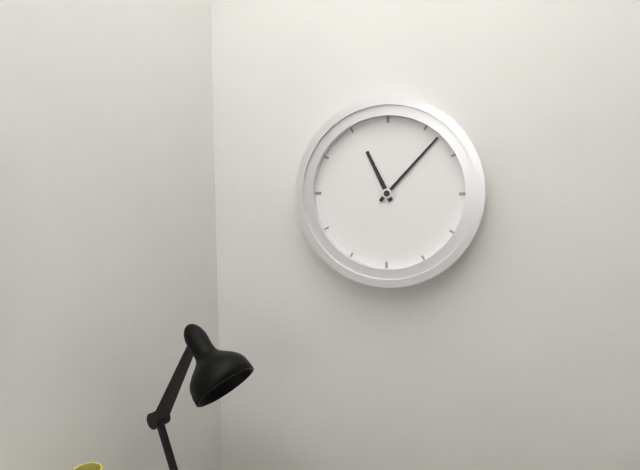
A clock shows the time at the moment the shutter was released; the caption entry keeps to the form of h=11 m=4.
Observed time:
h=11 m=7
